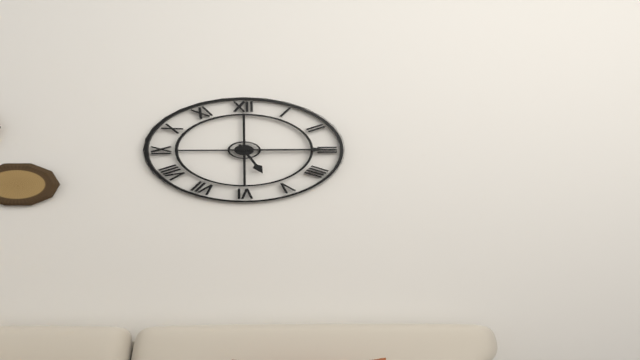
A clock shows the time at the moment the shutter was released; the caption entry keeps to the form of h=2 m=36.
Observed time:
h=5 m=15
